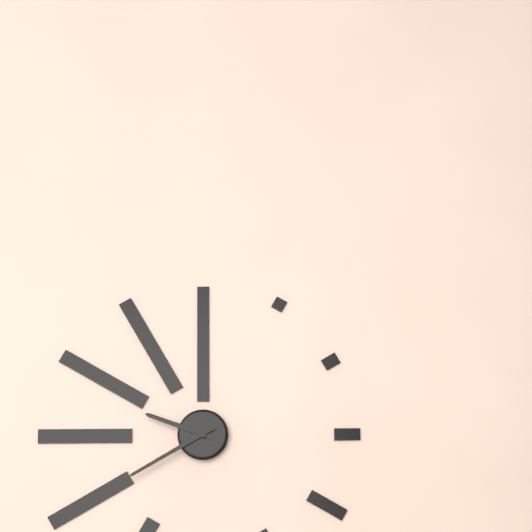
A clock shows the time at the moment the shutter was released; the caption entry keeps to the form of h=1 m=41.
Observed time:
h=9 m=40
